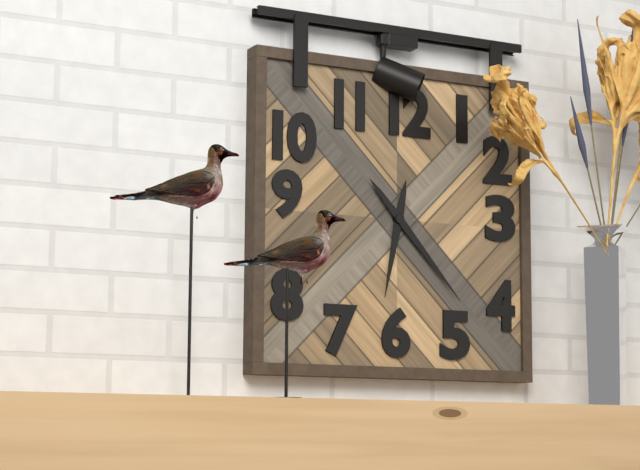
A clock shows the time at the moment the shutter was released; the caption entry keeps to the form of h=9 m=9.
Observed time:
h=6 m=23
